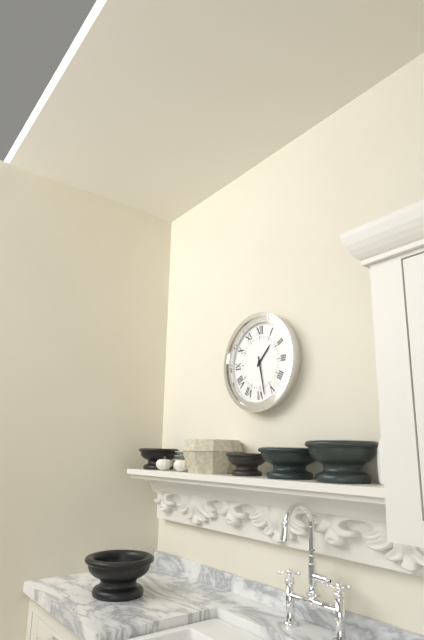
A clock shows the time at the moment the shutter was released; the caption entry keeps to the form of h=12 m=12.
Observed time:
h=1 m=28
